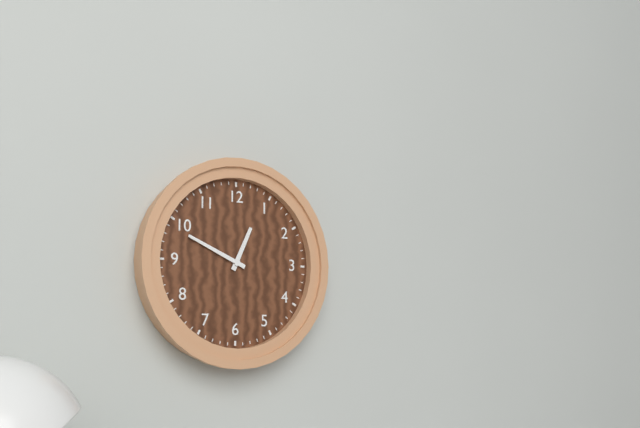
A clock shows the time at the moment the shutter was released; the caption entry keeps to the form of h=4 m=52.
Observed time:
h=12 m=49
